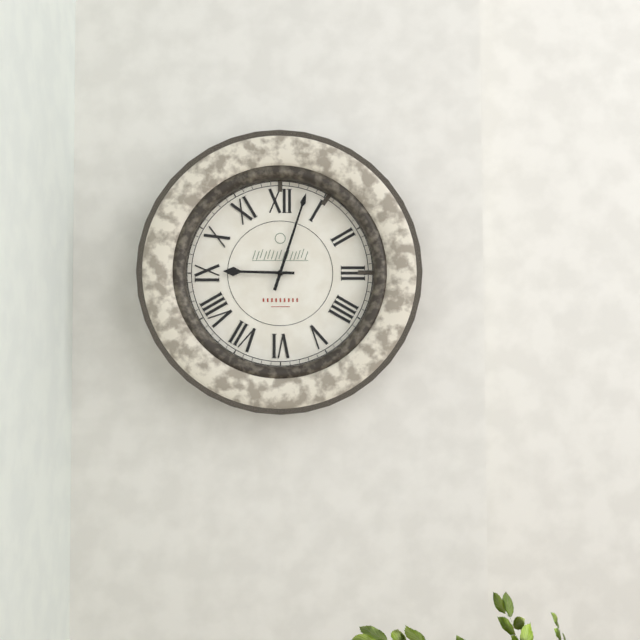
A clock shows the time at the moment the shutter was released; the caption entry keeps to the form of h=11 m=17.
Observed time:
h=9 m=3
